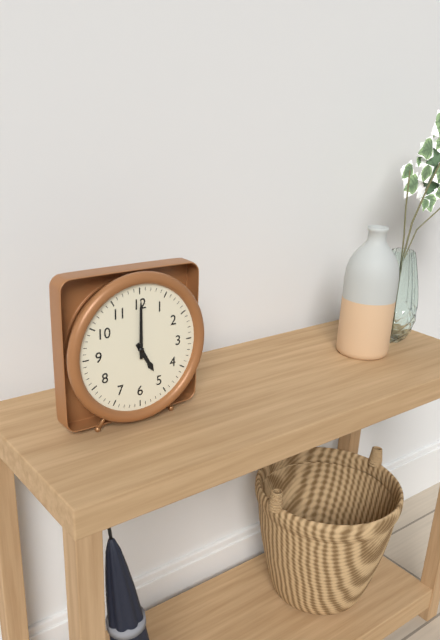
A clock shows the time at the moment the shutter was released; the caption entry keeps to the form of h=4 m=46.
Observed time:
h=5 m=0
